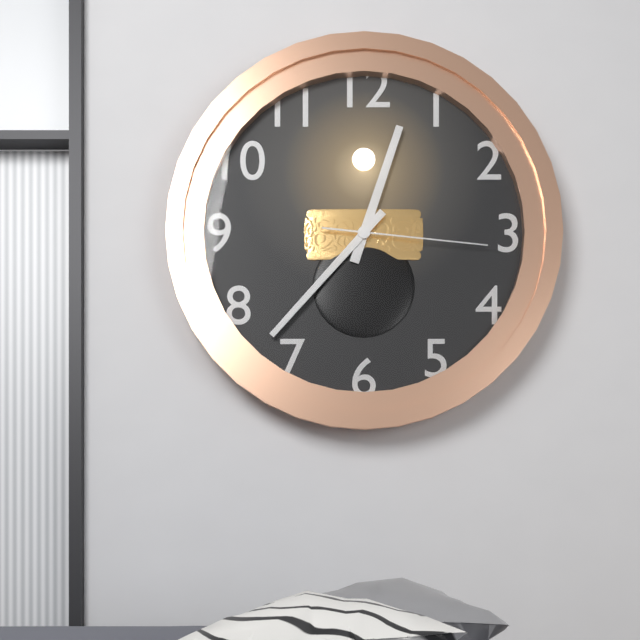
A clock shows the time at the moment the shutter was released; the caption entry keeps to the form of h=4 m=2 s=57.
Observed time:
h=12 m=37 s=16
